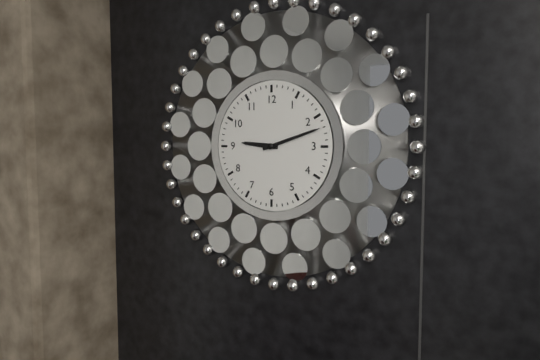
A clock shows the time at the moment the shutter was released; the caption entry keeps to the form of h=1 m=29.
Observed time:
h=9 m=12
